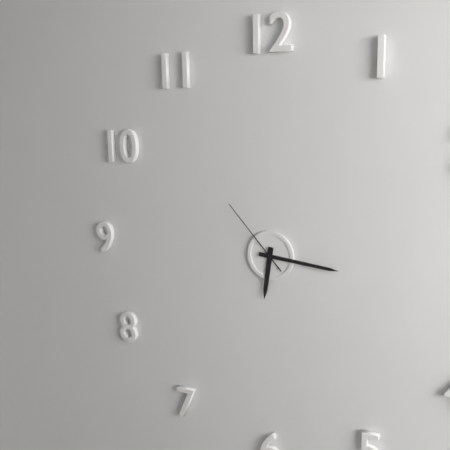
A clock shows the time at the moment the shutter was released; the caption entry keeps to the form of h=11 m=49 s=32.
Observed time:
h=6 m=16 s=53
